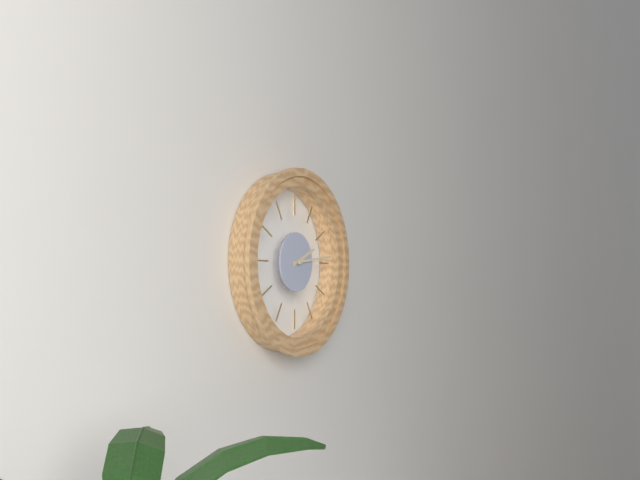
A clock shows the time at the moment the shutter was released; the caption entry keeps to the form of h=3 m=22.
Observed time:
h=2 m=14
